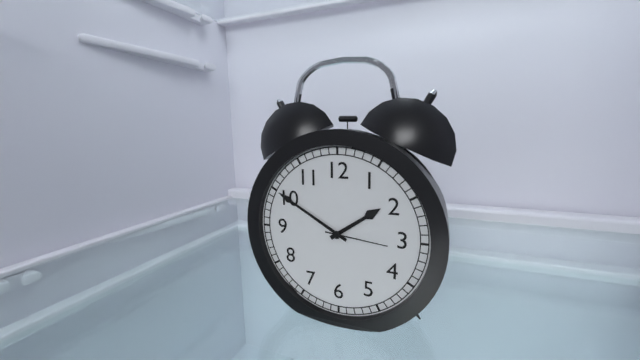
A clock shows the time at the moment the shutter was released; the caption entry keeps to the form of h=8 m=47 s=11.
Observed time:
h=1 m=50 s=16
